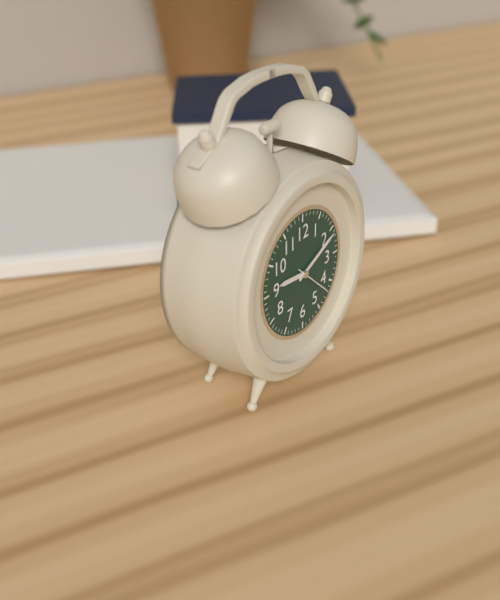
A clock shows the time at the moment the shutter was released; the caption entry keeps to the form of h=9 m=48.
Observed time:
h=9 m=11
